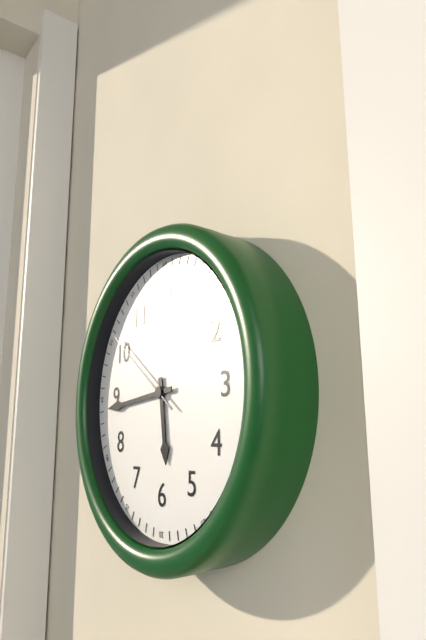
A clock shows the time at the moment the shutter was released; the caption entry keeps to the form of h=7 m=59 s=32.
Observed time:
h=5 m=44 s=51
